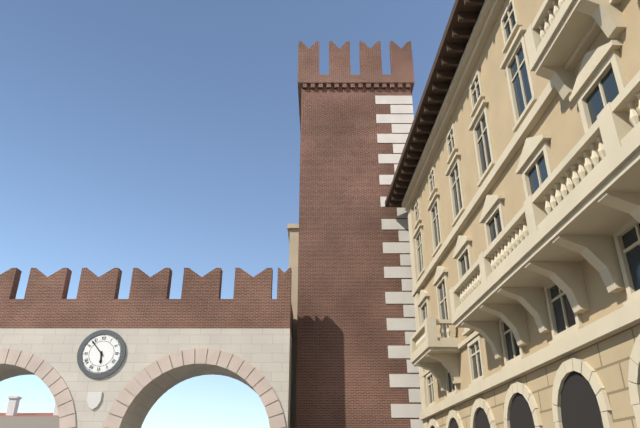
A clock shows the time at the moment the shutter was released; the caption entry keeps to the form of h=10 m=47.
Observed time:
h=5 m=53
